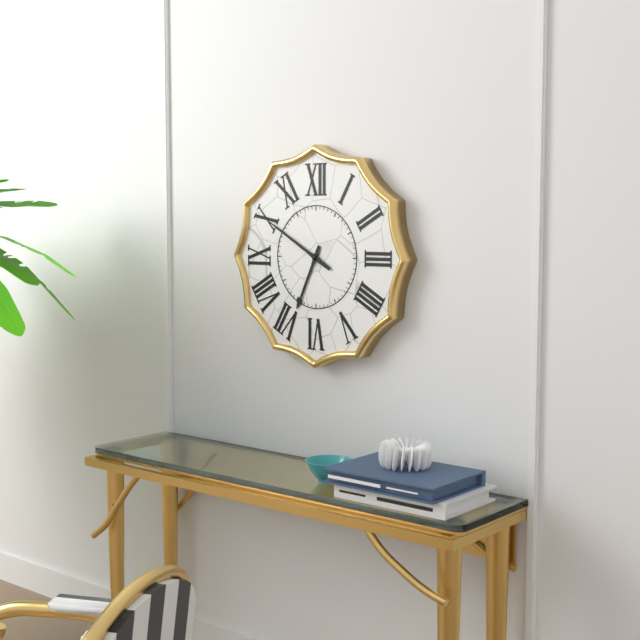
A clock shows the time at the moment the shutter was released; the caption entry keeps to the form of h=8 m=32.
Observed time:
h=6 m=50
